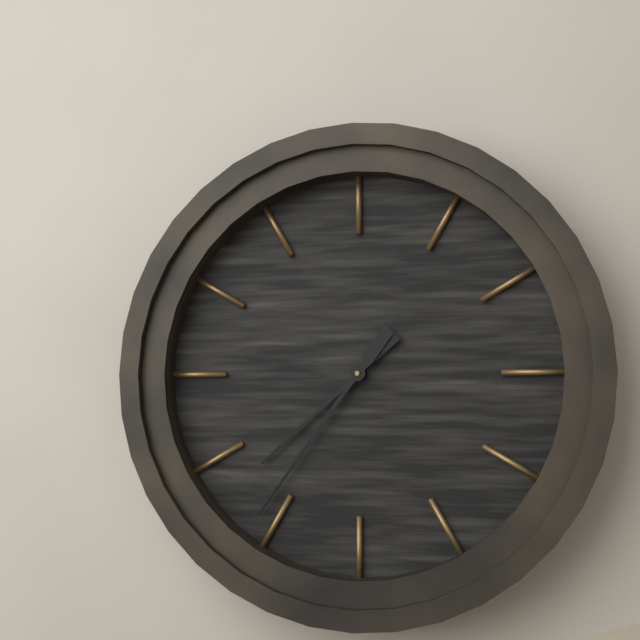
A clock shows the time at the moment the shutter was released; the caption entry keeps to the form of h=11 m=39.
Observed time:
h=7 m=36
